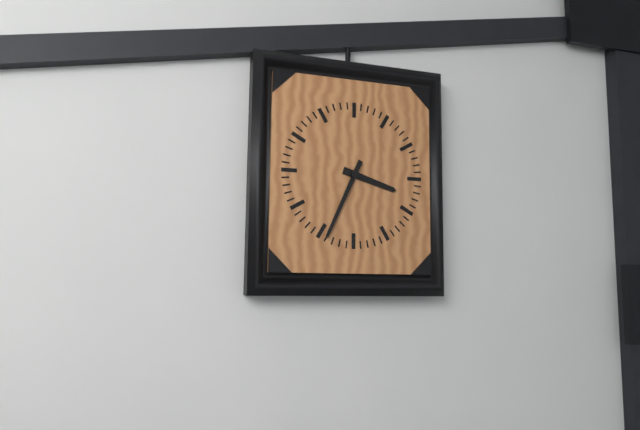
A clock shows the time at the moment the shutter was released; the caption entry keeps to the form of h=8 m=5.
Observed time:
h=3 m=34
